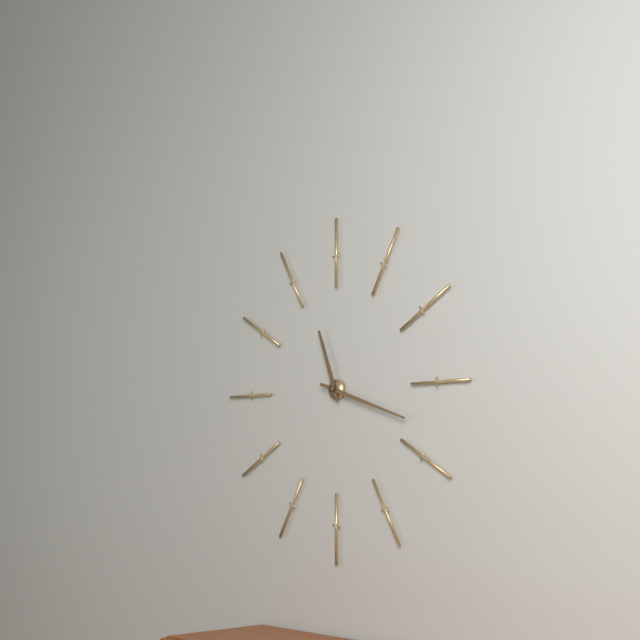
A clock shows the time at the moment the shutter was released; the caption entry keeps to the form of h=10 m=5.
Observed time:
h=11 m=18
